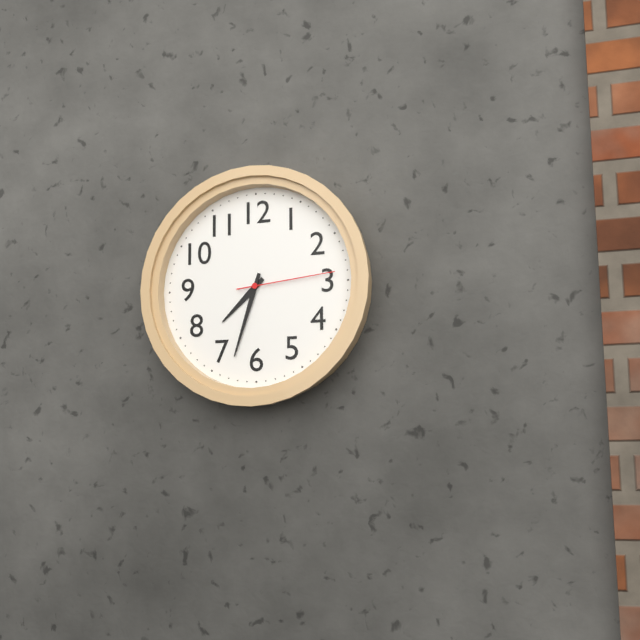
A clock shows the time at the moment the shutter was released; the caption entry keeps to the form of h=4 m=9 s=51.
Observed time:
h=7 m=33 s=14
